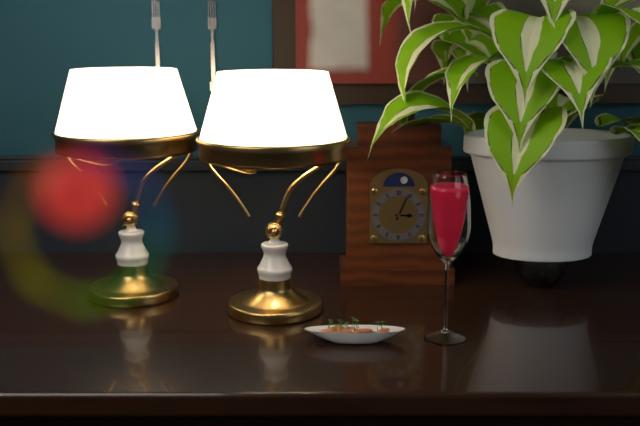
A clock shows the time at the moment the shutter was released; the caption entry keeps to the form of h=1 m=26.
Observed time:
h=3 m=4
